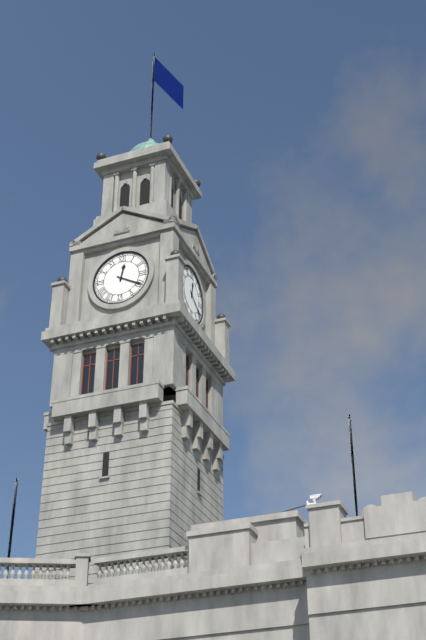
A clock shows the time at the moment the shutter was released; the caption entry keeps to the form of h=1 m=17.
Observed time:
h=12 m=20
